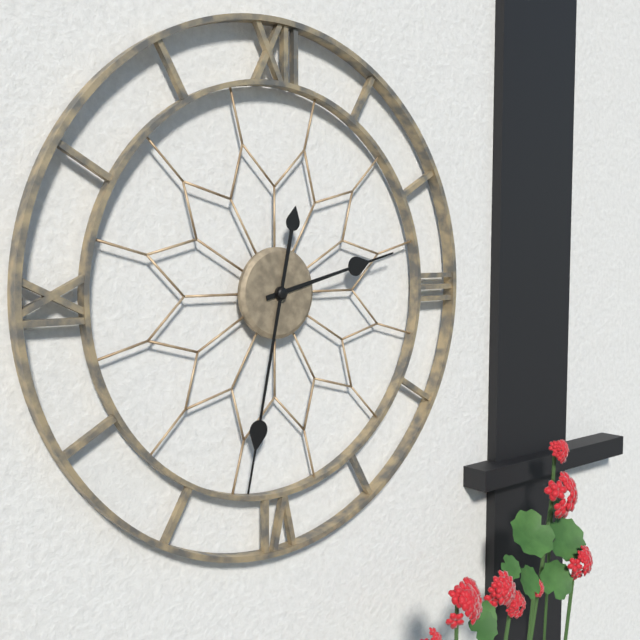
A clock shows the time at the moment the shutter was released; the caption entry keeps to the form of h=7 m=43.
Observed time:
h=2 m=32
